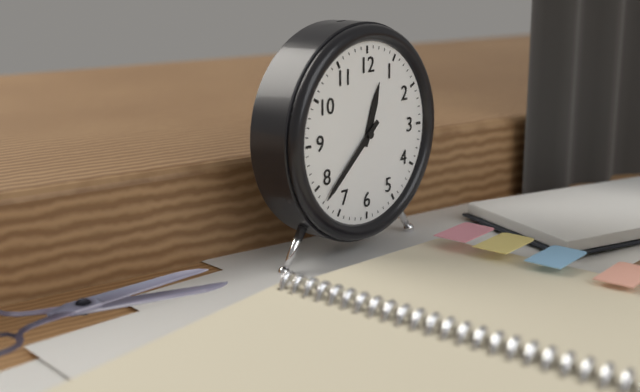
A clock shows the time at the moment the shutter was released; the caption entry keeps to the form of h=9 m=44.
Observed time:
h=12 m=38
